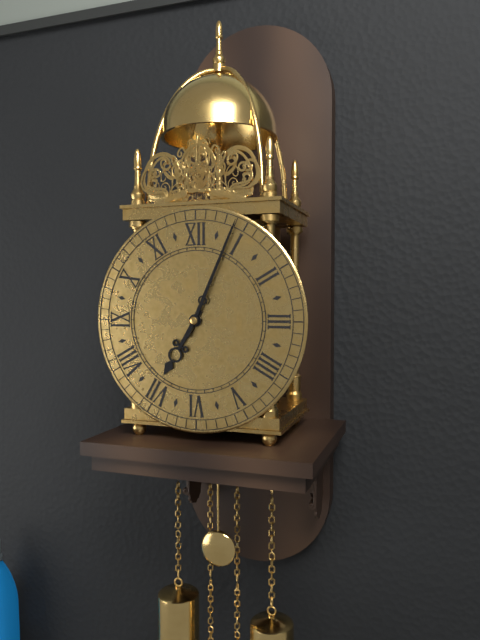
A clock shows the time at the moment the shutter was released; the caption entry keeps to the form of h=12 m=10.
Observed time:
h=7 m=4
